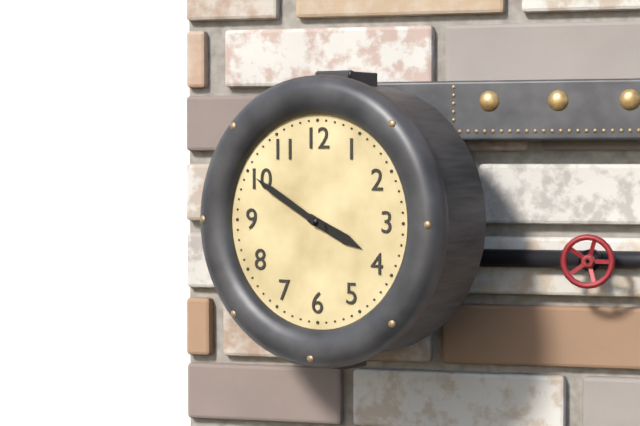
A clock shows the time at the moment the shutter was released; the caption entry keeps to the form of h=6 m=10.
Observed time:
h=3 m=50
